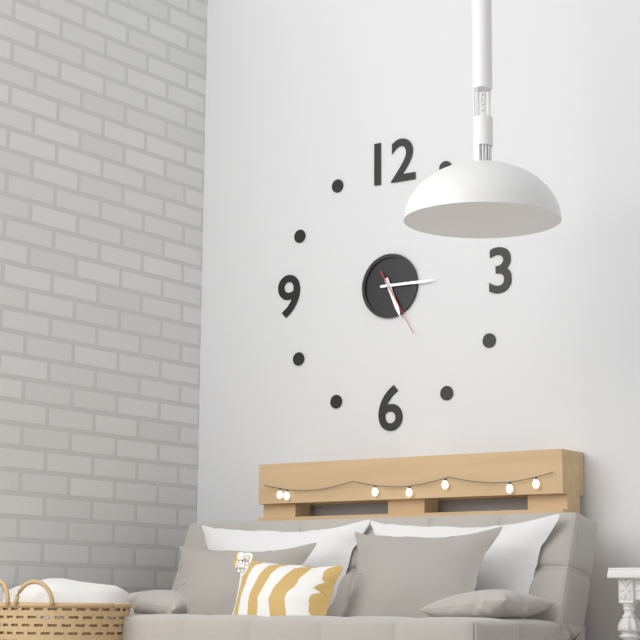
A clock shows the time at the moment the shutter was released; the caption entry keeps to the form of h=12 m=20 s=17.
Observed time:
h=5 m=15 s=25
